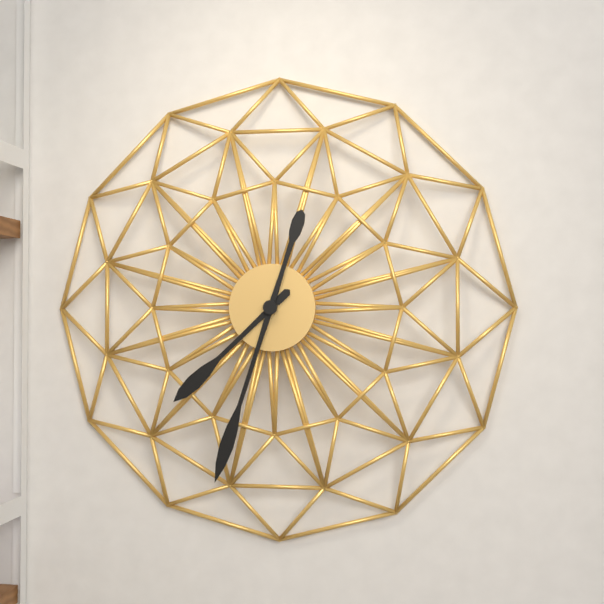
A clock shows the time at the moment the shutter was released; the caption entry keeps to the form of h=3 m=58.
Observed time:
h=7 m=33
